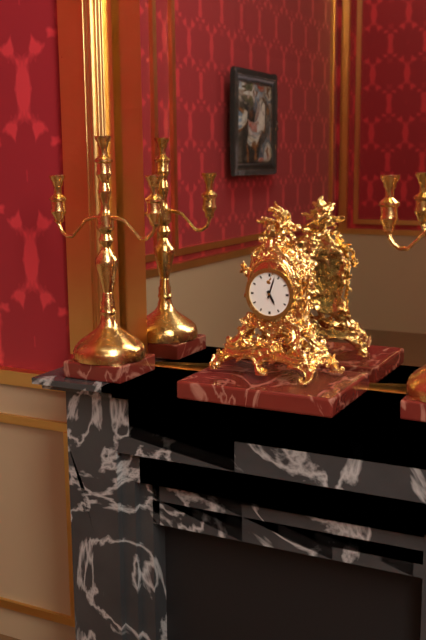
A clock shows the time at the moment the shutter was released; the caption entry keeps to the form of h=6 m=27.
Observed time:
h=5 m=3
